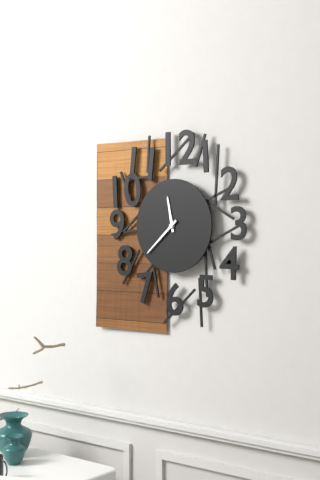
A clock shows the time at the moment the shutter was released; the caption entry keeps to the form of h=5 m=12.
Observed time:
h=11 m=38
